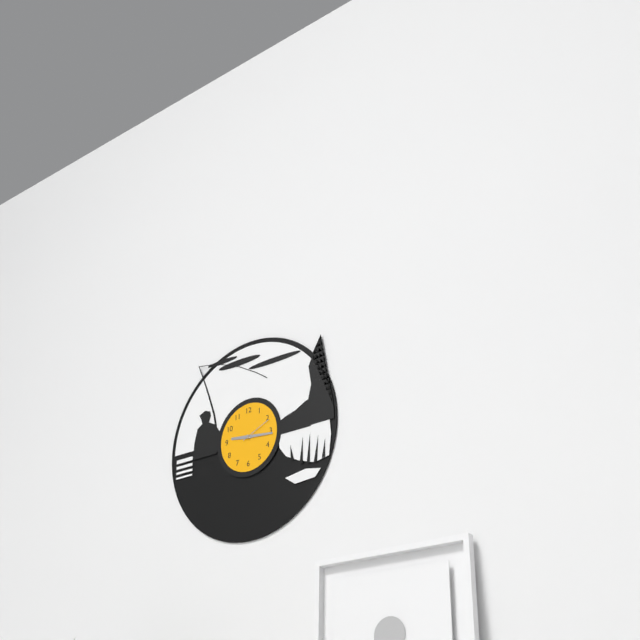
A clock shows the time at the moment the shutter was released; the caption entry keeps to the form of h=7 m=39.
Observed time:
h=9 m=16
